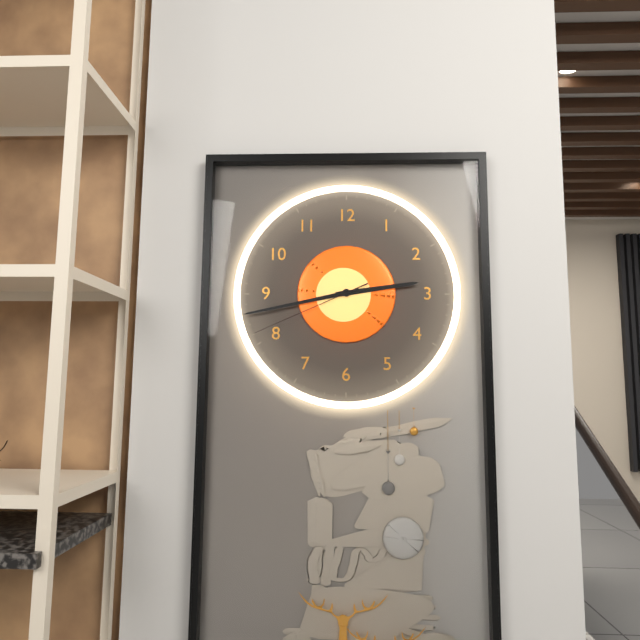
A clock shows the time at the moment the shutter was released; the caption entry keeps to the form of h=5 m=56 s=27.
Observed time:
h=2 m=43 s=41
